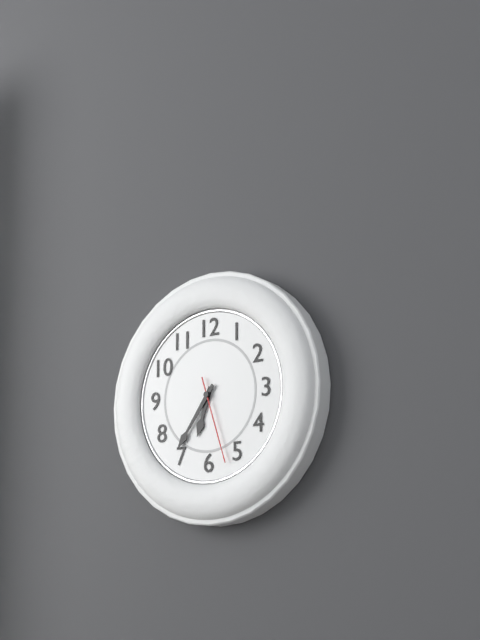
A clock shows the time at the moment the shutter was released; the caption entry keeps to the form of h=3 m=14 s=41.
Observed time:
h=6 m=36 s=27
